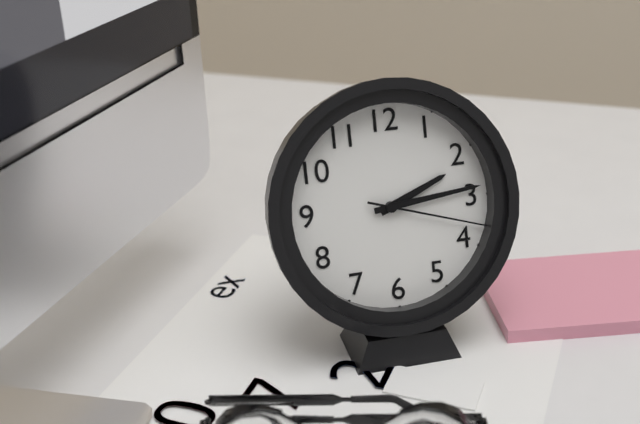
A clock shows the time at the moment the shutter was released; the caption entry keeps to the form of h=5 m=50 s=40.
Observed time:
h=2 m=14 s=18
